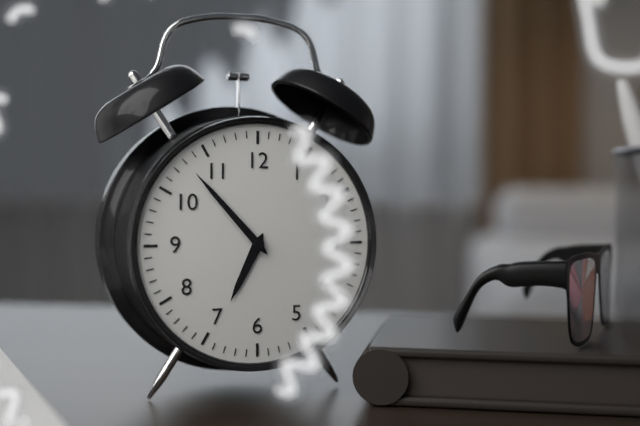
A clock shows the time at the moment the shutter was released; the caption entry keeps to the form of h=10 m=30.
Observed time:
h=6 m=53
